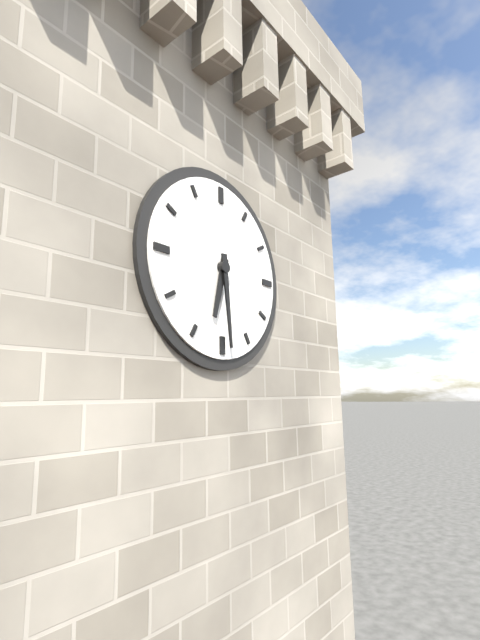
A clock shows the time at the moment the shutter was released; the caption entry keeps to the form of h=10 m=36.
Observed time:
h=6 m=29
